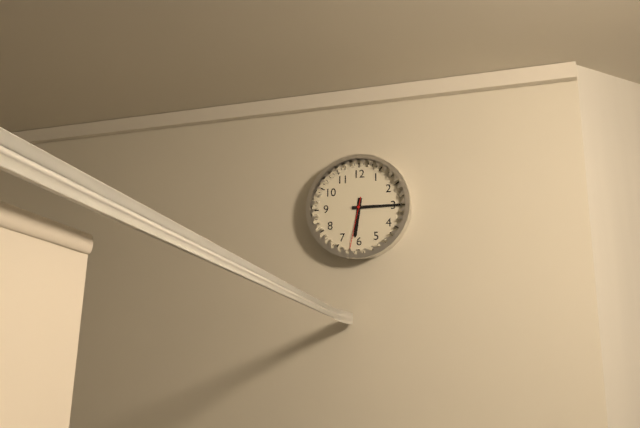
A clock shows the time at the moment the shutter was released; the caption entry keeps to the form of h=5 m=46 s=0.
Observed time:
h=6 m=15 s=32
